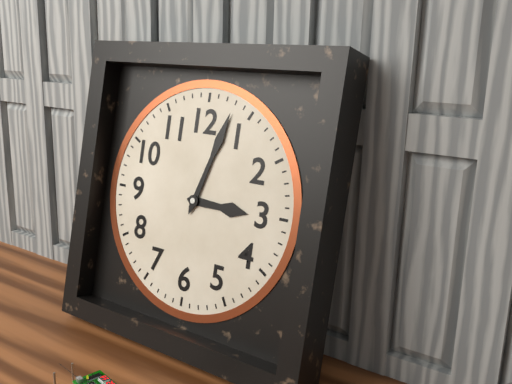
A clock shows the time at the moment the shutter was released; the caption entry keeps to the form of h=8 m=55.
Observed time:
h=3 m=3
